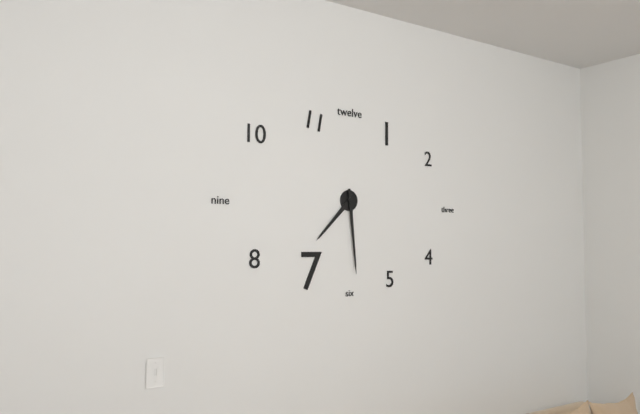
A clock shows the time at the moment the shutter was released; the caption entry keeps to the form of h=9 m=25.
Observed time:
h=7 m=29
